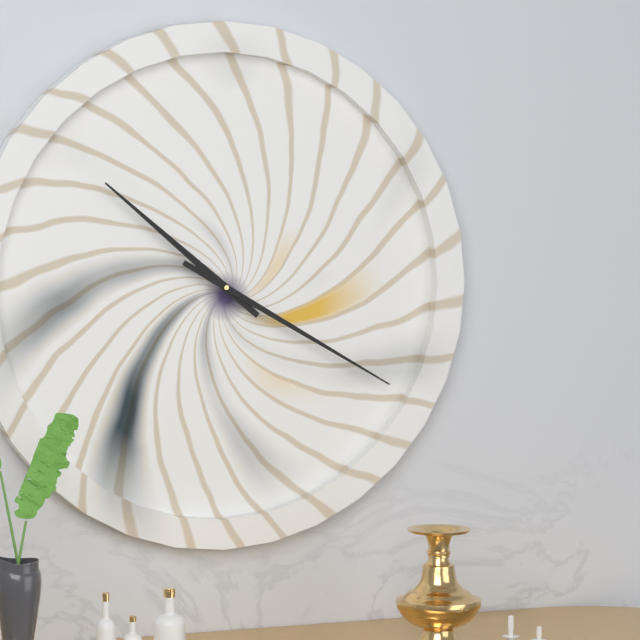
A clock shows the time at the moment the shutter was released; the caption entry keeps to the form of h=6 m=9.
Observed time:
h=10 m=20
